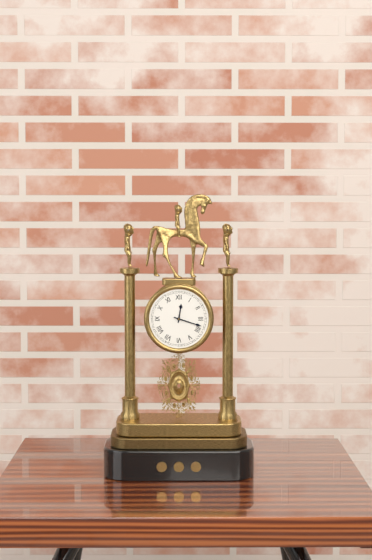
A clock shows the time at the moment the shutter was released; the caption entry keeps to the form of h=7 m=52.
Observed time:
h=12 m=18
